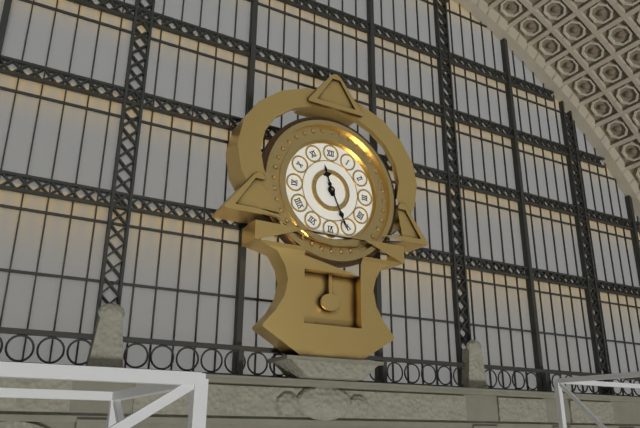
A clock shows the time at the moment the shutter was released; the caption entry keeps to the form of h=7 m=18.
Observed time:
h=11 m=26
